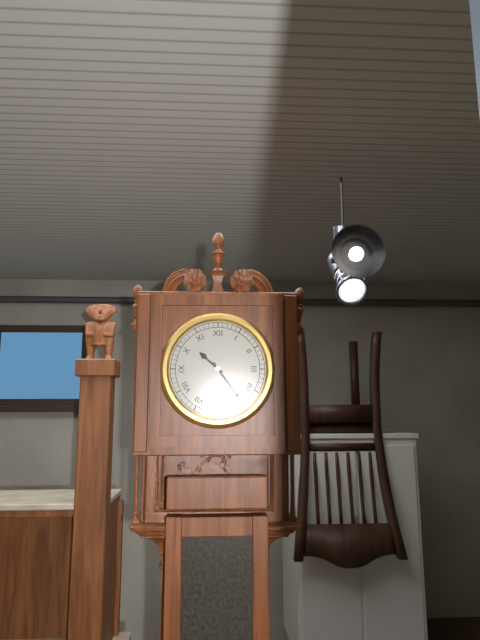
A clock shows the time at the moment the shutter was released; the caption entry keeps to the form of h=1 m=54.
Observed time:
h=10 m=24
